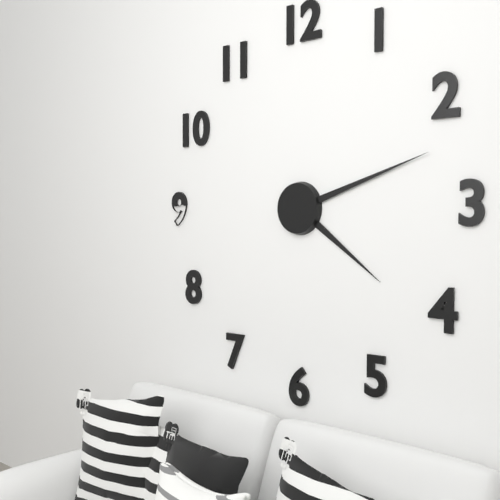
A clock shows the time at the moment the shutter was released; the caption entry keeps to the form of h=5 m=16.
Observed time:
h=4 m=12
